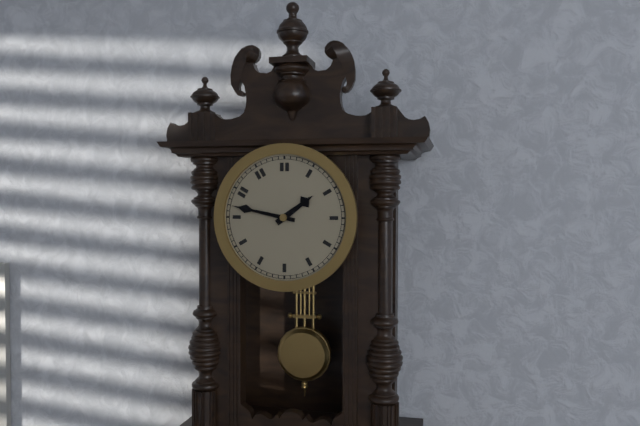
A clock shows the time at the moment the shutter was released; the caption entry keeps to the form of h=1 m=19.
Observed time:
h=1 m=47
